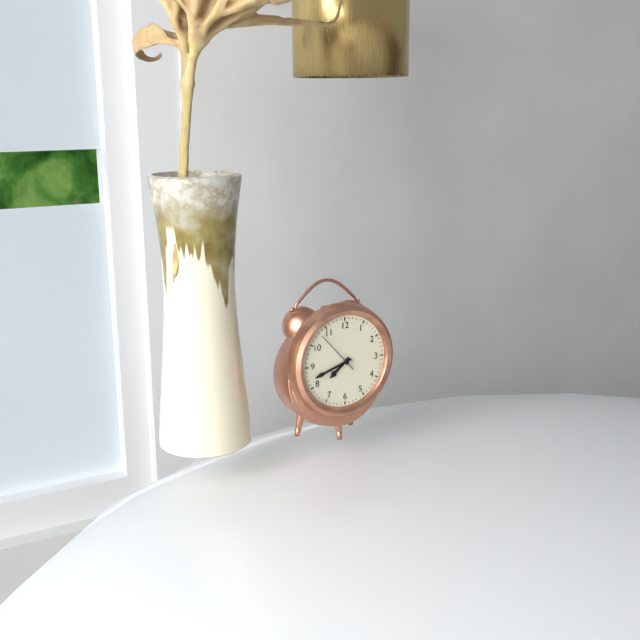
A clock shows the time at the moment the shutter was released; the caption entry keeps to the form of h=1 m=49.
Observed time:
h=7 m=42
